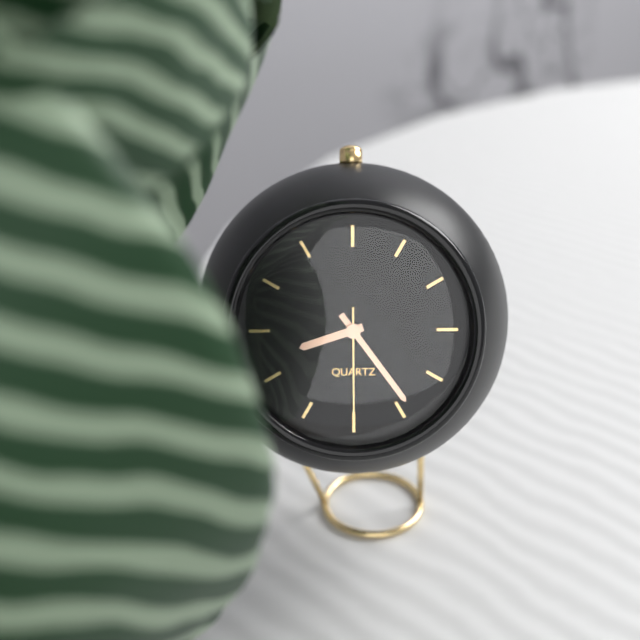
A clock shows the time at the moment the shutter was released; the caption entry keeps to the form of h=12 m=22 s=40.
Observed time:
h=8 m=24 s=30
